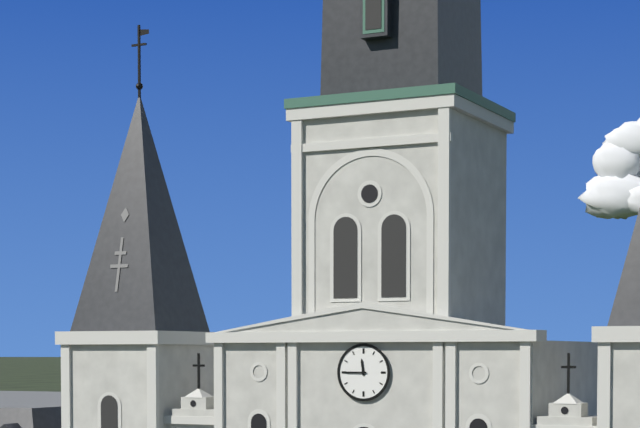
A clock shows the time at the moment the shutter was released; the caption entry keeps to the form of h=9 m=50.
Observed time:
h=11 m=45
